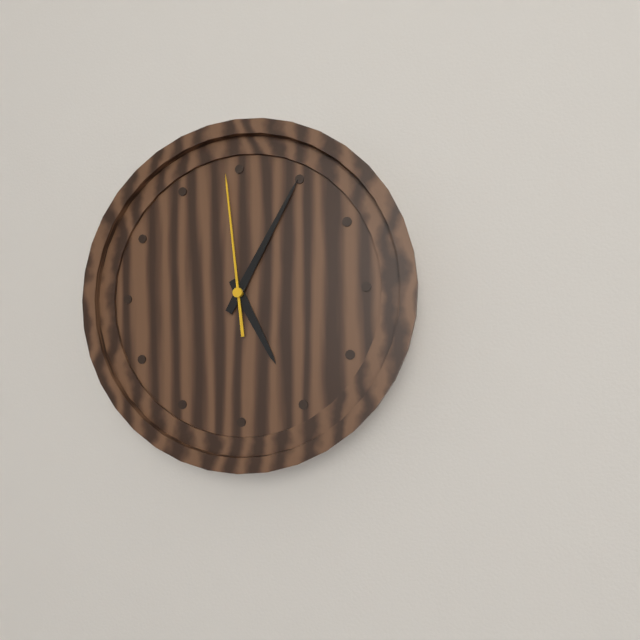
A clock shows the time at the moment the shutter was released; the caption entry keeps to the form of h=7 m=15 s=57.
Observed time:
h=5 m=5 s=59
